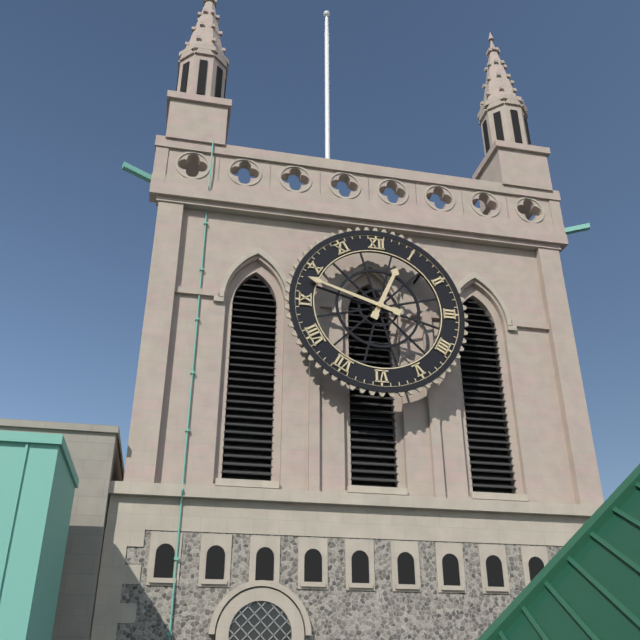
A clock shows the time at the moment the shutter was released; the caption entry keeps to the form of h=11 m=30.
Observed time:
h=12 m=48
